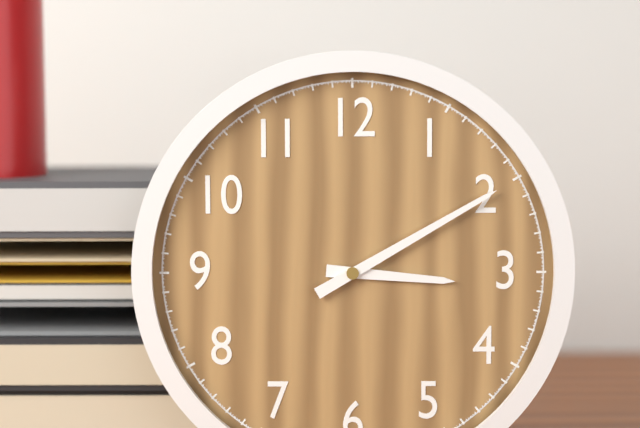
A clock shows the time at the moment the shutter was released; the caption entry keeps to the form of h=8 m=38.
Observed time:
h=3 m=10
